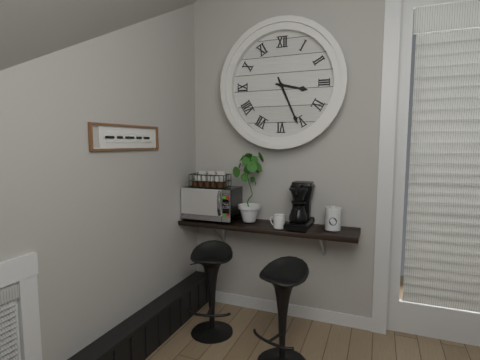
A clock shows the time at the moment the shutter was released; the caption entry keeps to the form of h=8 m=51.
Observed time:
h=3 m=26
